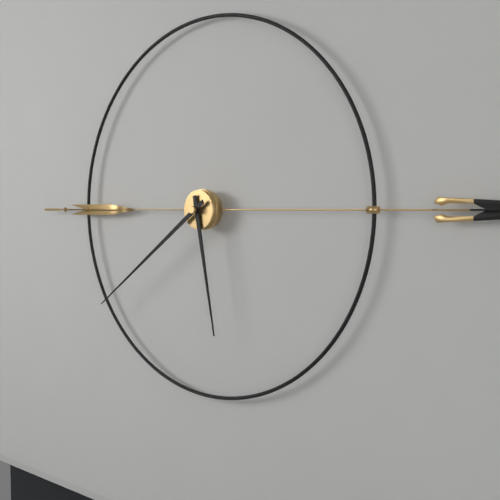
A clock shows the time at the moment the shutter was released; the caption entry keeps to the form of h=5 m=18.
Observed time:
h=5 m=39
